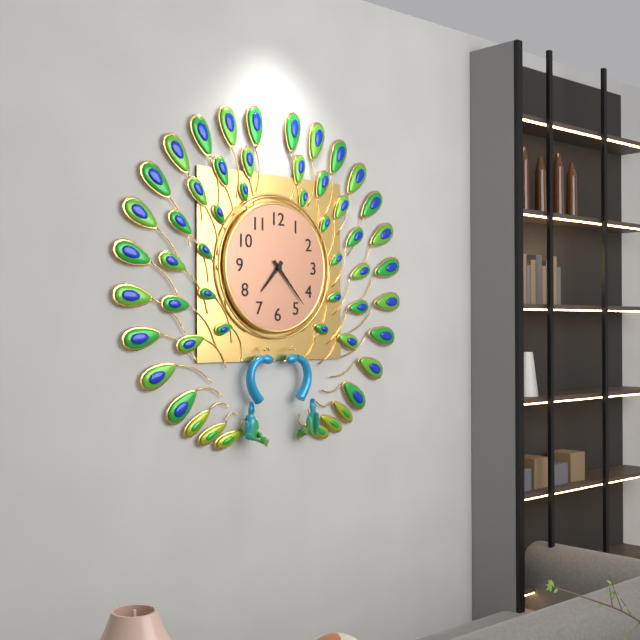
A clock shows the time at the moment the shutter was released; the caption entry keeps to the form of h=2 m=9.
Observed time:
h=7 m=23
